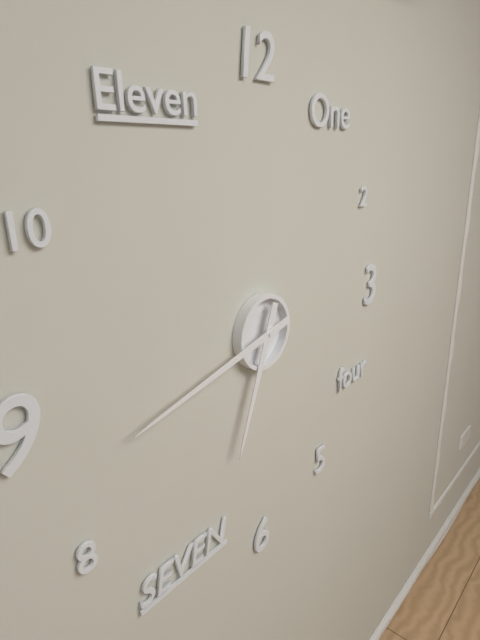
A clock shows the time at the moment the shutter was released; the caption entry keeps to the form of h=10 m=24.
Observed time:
h=6 m=43
